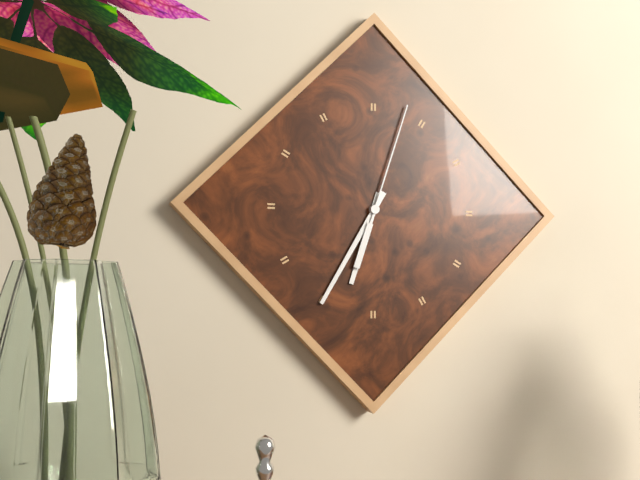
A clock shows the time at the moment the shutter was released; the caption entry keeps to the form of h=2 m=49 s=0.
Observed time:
h=6 m=35 s=3
